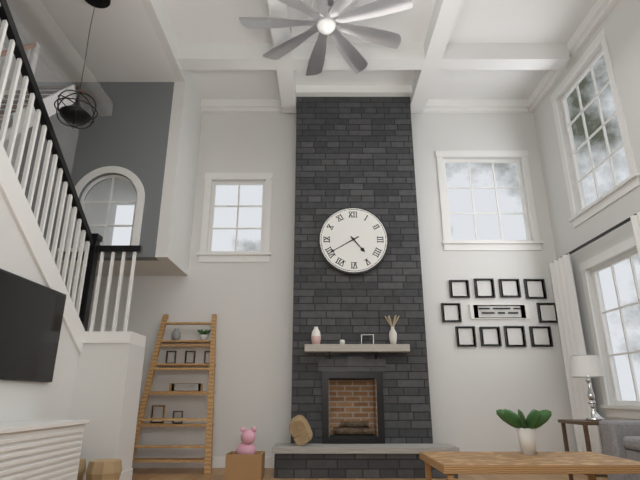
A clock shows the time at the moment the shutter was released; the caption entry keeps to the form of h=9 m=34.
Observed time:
h=4 m=40
